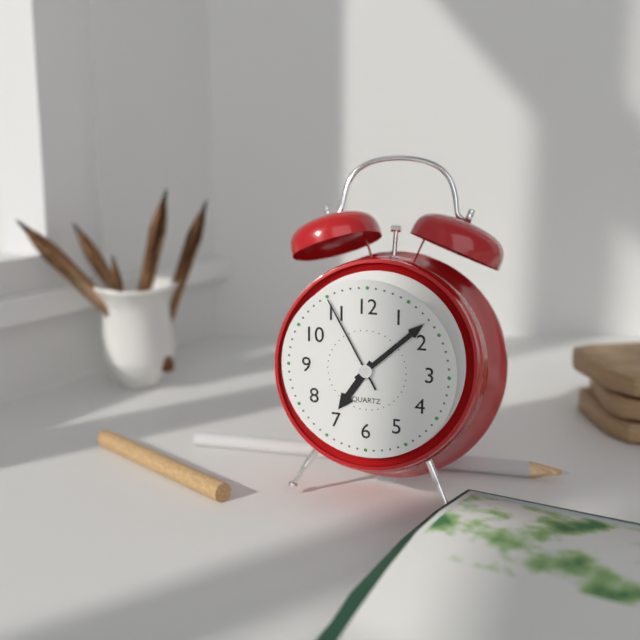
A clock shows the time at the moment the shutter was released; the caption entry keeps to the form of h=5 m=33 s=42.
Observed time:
h=7 m=8 s=55
